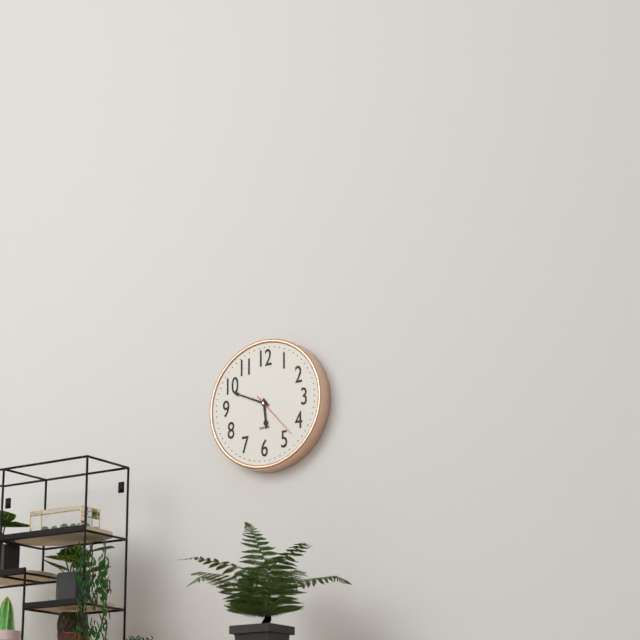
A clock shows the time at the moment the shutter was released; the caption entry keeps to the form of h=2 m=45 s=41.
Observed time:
h=5 m=49 s=23
